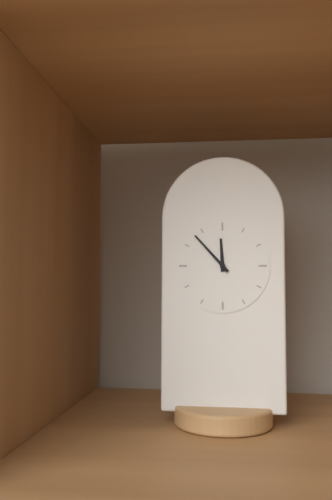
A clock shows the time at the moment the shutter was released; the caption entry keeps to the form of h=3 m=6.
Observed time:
h=11 m=53
